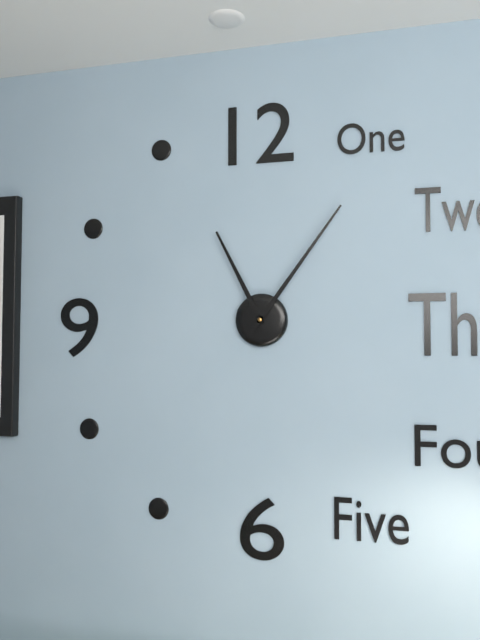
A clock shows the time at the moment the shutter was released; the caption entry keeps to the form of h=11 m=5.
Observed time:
h=11 m=6
